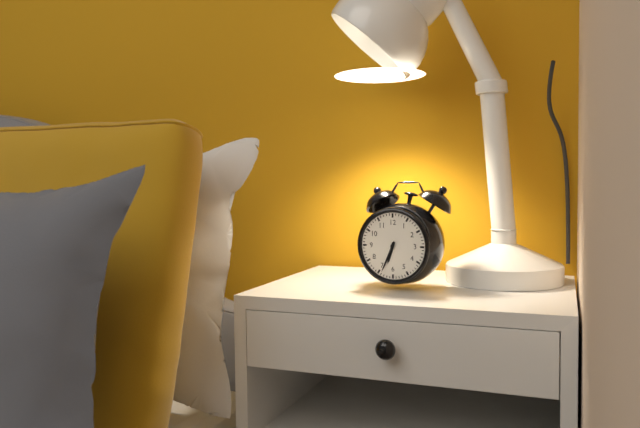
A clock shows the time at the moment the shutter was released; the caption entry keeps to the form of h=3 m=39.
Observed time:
h=6 m=34
